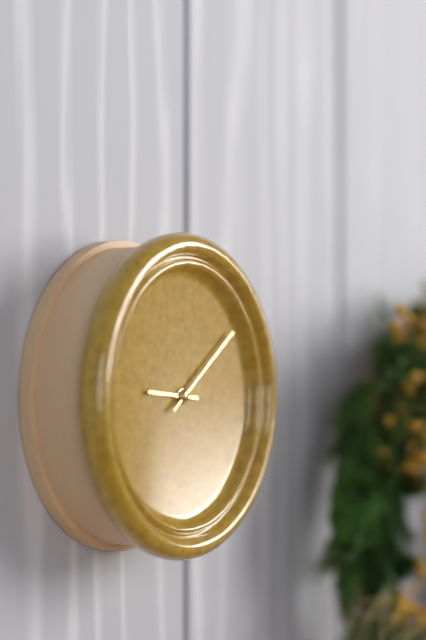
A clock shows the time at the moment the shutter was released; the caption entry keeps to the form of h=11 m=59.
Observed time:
h=9 m=9
